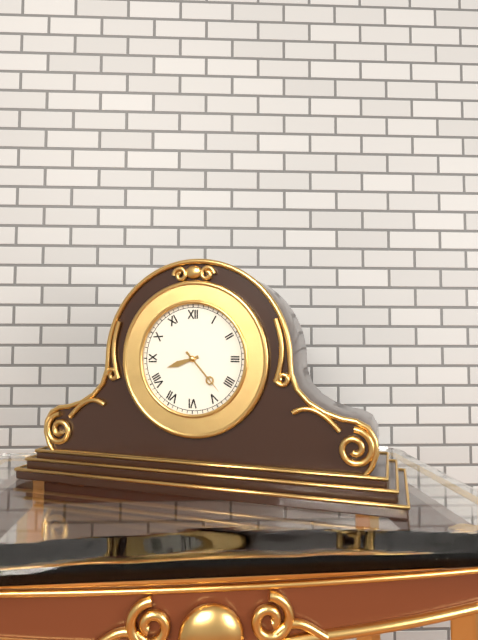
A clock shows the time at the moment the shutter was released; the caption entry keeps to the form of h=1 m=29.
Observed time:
h=8 m=23
